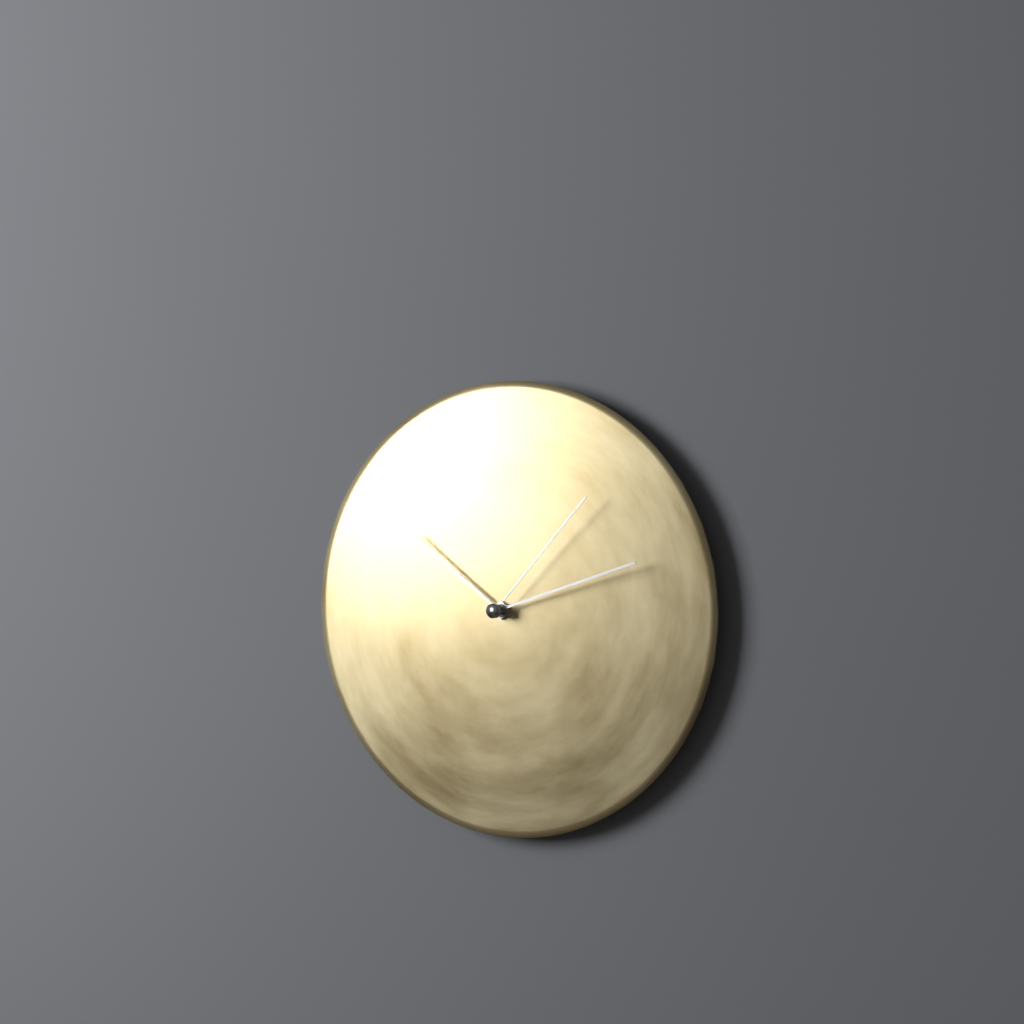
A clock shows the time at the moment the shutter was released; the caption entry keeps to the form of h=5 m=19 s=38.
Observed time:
h=10 m=12 s=7
